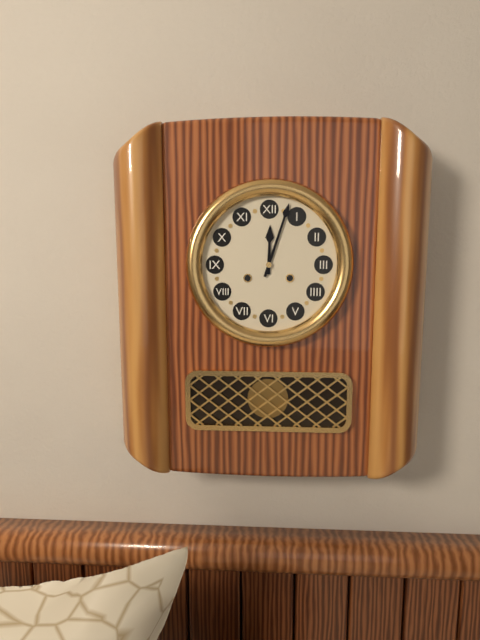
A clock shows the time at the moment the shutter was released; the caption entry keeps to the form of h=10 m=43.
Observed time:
h=12 m=3
